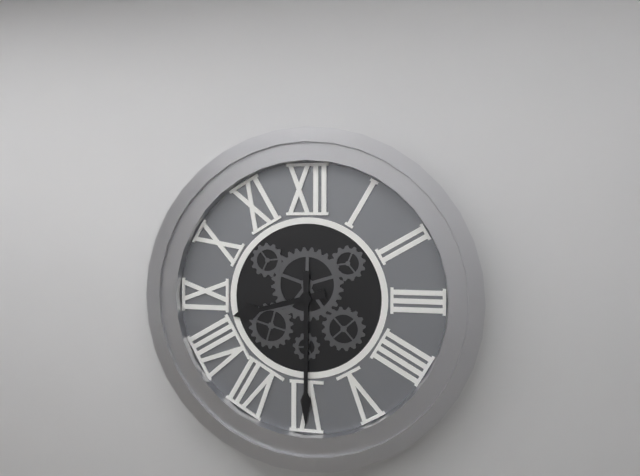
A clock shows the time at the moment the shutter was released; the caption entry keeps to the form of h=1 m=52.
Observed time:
h=8 m=30
